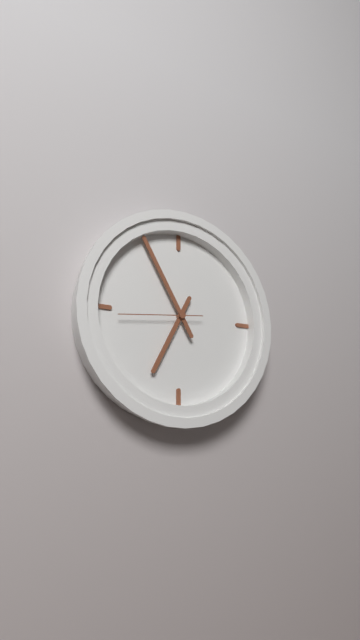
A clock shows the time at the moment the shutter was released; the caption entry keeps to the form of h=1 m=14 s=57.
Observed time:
h=6 m=55 s=44
